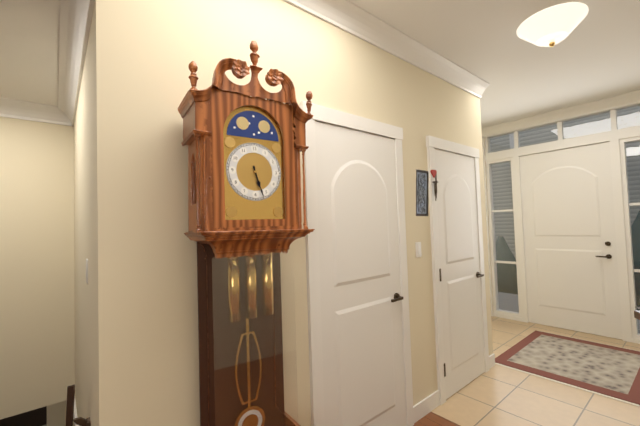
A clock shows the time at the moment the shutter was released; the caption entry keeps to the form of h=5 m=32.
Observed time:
h=5 m=27
